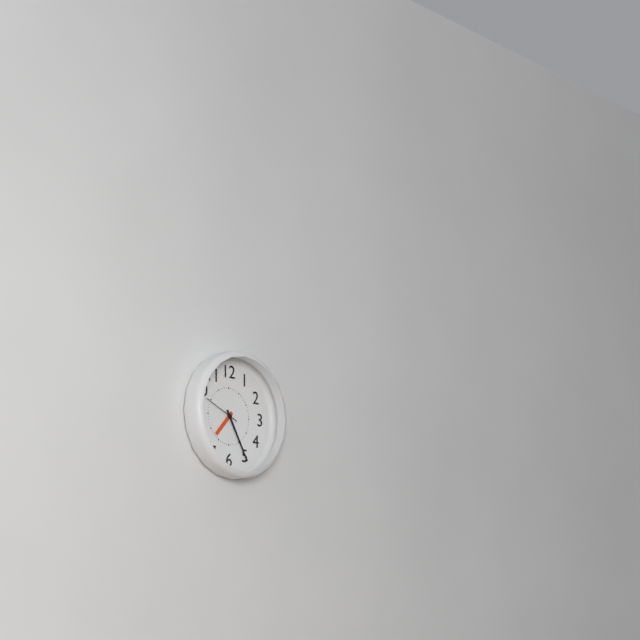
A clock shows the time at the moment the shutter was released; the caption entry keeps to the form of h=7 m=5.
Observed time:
h=7 m=25
